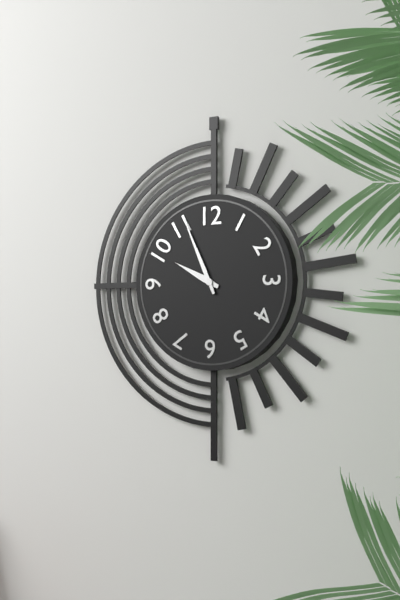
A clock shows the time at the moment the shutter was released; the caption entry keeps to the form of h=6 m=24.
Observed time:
h=9 m=56
